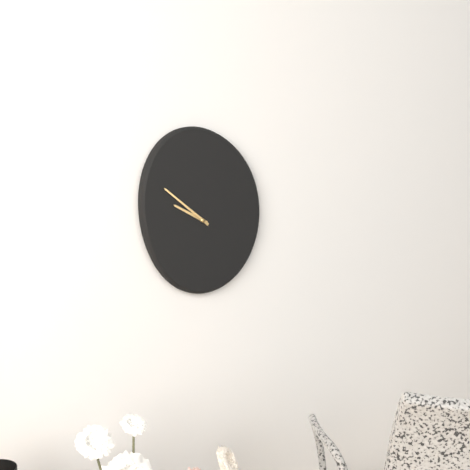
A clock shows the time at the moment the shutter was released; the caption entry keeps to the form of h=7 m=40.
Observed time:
h=9 m=51
